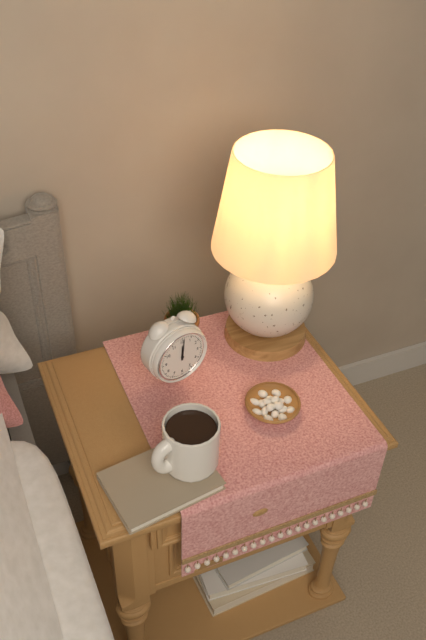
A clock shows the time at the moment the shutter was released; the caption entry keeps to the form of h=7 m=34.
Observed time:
h=12 m=1
